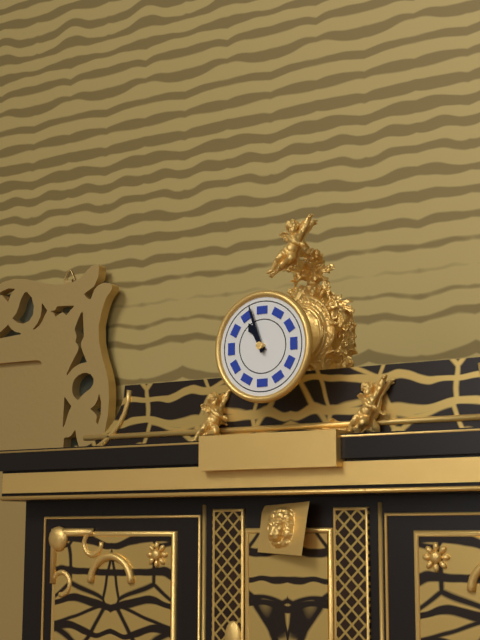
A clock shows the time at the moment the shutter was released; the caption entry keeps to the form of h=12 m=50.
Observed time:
h=10 m=57
